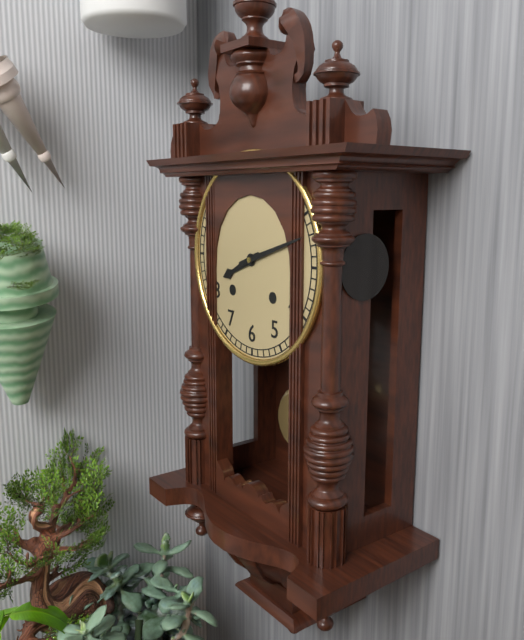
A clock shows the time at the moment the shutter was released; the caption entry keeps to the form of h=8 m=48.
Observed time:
h=8 m=12
